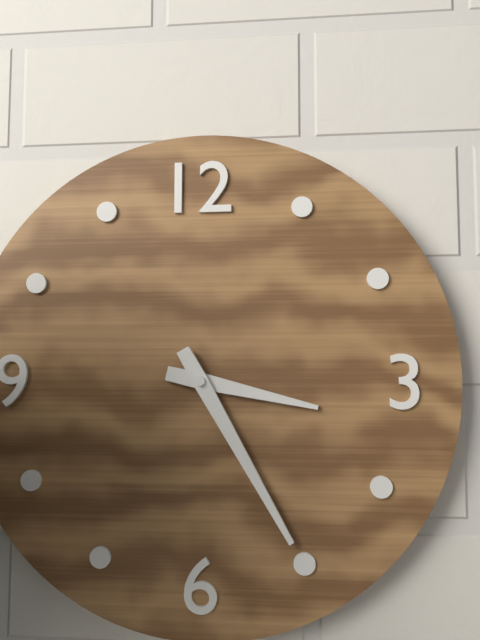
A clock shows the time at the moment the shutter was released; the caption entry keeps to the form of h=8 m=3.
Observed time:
h=3 m=25
